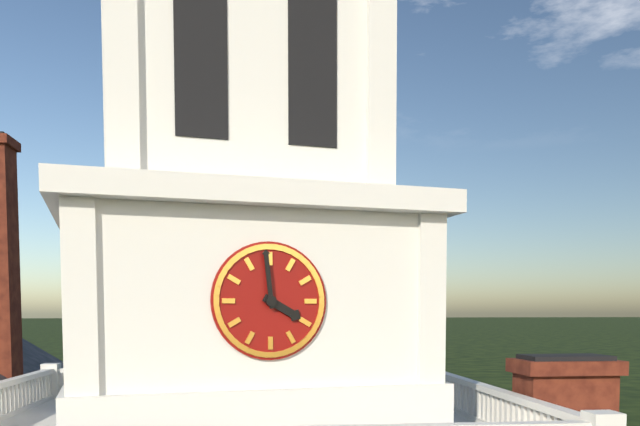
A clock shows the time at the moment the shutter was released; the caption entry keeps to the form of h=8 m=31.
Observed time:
h=3 m=59
